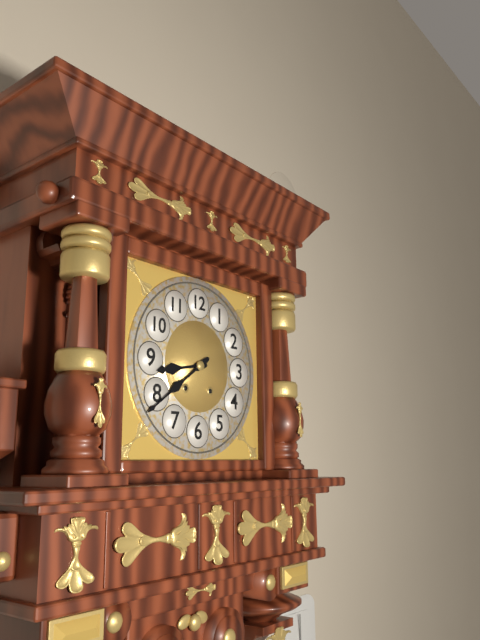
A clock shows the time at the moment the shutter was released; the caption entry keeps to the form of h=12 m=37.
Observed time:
h=8 m=39
